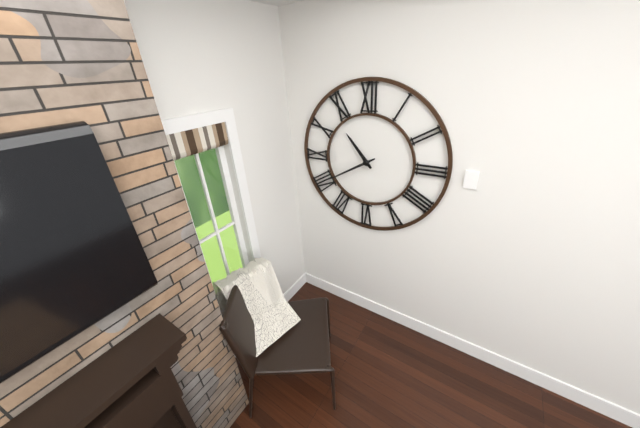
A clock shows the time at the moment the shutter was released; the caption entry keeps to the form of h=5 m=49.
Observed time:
h=10 m=40
